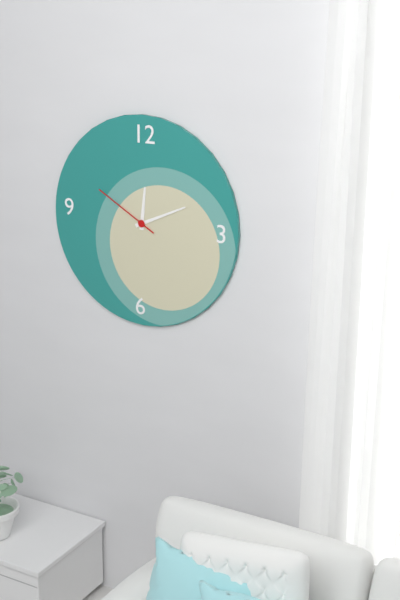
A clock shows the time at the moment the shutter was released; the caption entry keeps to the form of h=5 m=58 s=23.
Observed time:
h=12 m=11 s=50
